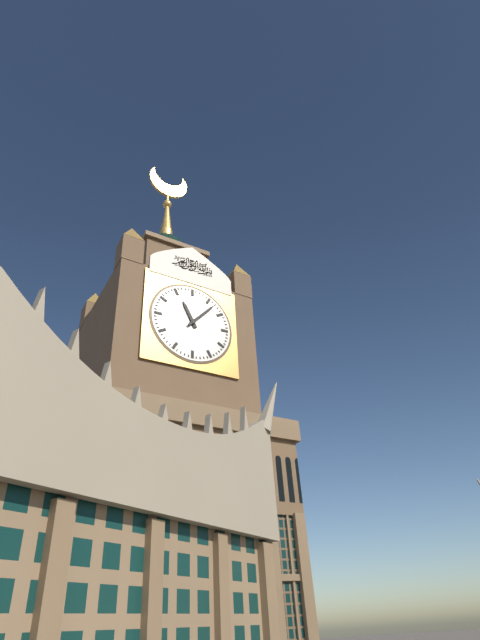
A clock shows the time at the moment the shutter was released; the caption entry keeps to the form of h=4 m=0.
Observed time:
h=11 m=7
